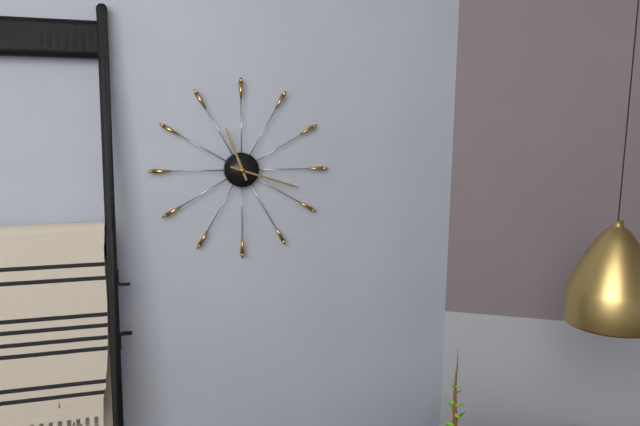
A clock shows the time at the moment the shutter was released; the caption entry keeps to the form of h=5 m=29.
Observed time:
h=11 m=18
